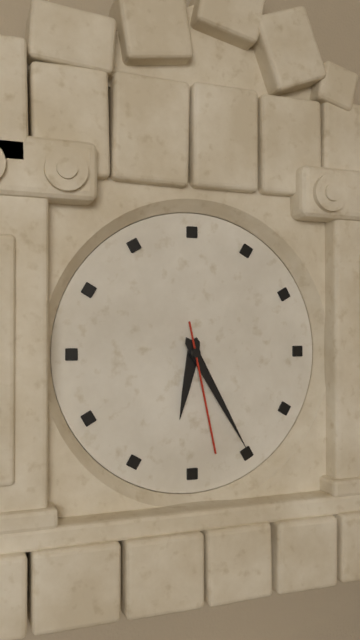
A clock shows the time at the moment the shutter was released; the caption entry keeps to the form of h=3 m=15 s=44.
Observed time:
h=6 m=25 s=28
